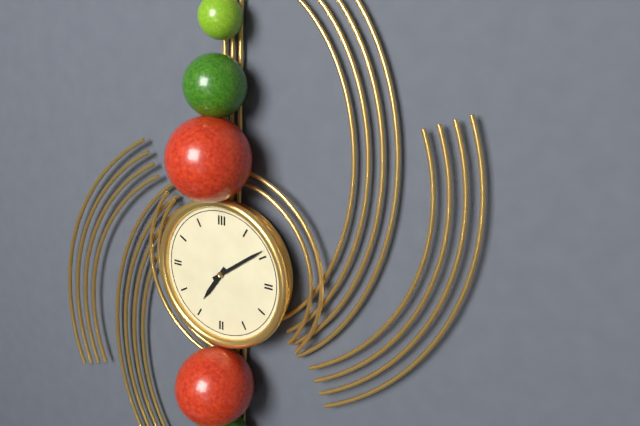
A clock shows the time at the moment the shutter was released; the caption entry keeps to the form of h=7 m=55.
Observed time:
h=7 m=9
